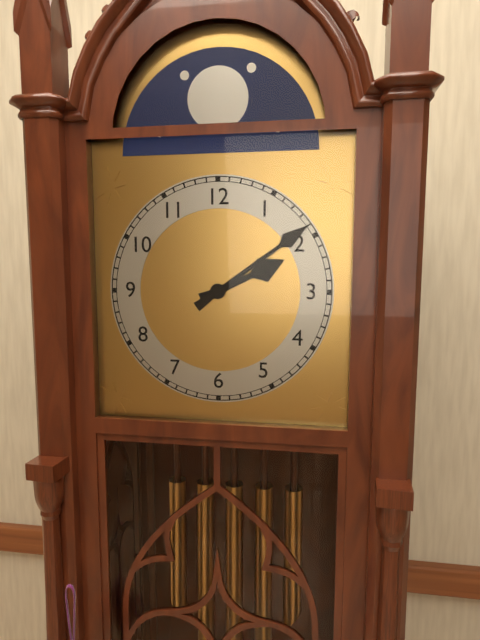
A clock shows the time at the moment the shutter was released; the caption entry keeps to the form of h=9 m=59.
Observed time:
h=2 m=9
